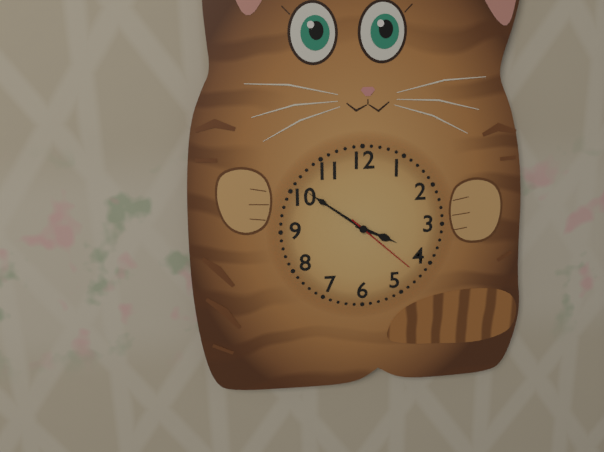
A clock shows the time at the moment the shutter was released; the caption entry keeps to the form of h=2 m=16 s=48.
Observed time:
h=3 m=51 s=22
